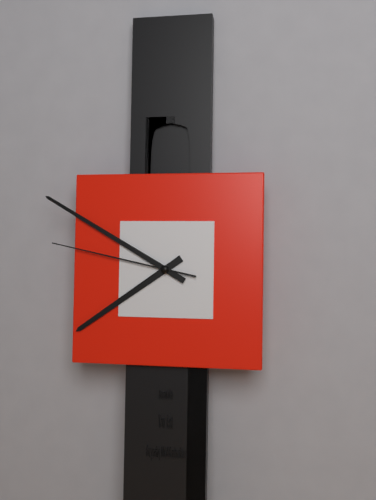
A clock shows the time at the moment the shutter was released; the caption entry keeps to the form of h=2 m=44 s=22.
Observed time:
h=7 m=50 s=47
